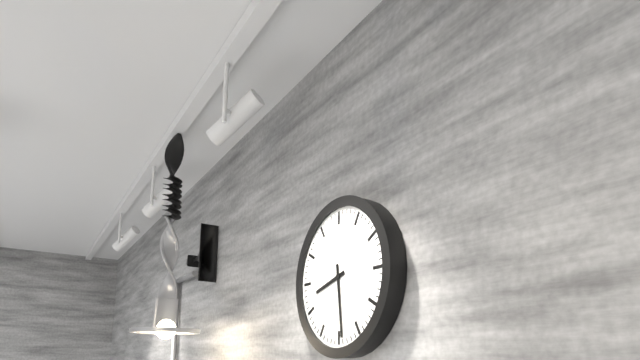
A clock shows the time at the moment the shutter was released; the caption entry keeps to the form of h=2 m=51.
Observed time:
h=8 m=29
